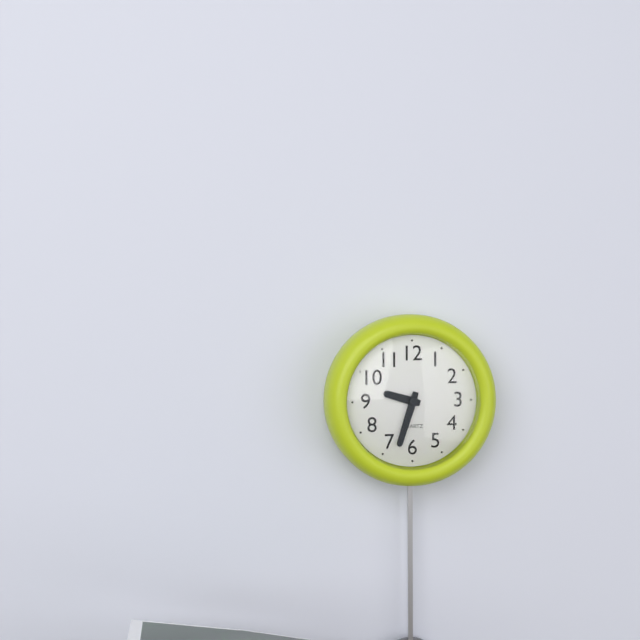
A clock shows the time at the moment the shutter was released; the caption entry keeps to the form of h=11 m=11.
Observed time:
h=9 m=33
